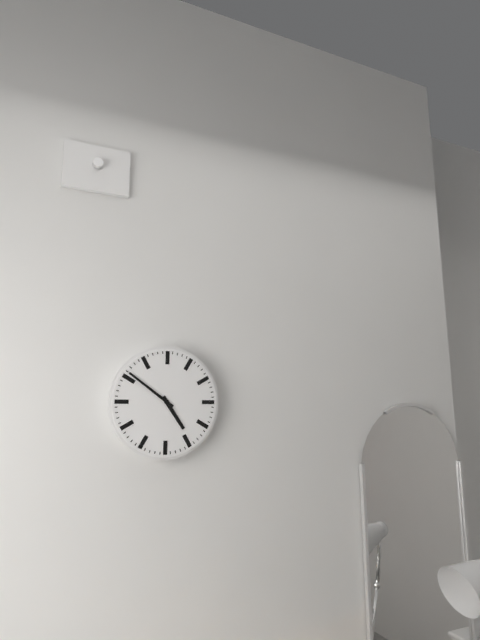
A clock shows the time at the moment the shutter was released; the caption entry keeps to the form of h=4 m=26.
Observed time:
h=4 m=51
